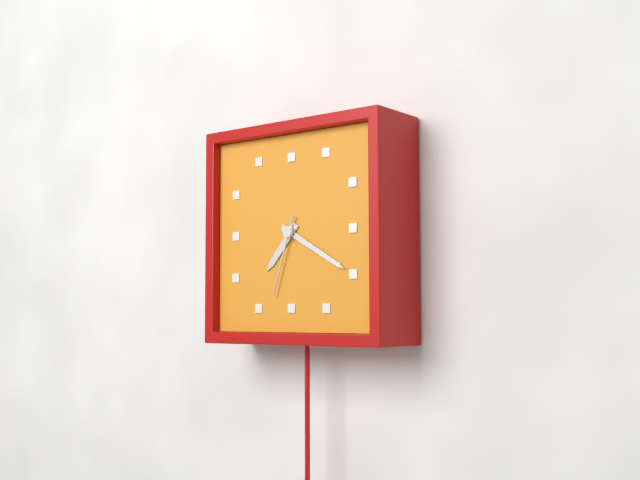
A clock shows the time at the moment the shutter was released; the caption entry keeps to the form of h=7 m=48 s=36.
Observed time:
h=7 m=20 s=33
